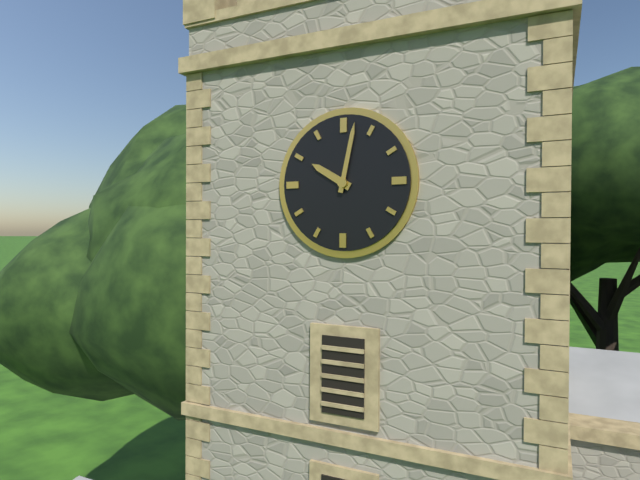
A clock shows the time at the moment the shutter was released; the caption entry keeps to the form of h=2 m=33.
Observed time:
h=10 m=2
